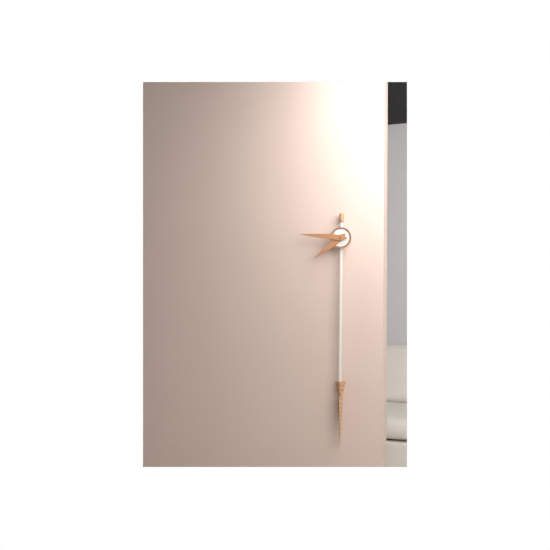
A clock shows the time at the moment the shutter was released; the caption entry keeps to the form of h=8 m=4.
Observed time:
h=7 m=46
